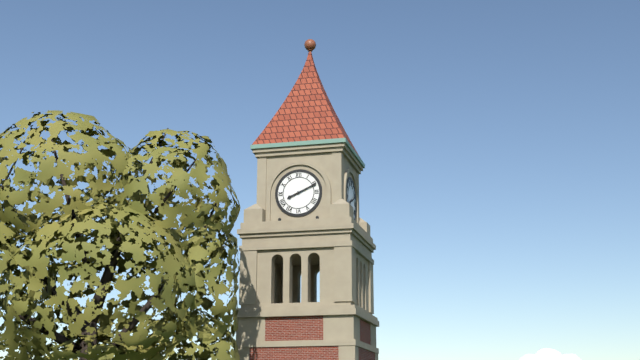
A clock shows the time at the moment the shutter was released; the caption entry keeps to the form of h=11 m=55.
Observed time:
h=8 m=11
